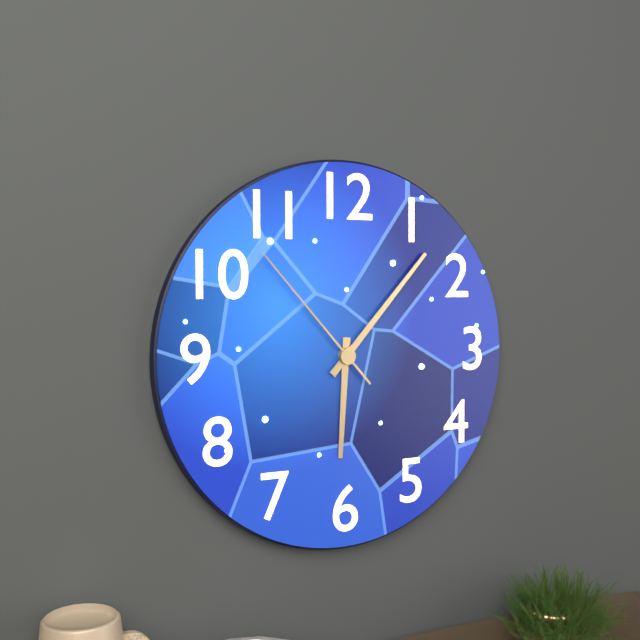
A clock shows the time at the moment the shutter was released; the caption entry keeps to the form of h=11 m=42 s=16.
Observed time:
h=6 m=7 s=53
